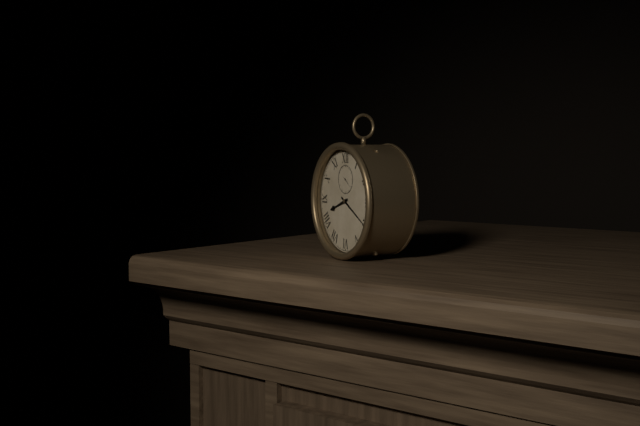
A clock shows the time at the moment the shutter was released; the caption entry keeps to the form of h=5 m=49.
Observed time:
h=8 m=20
